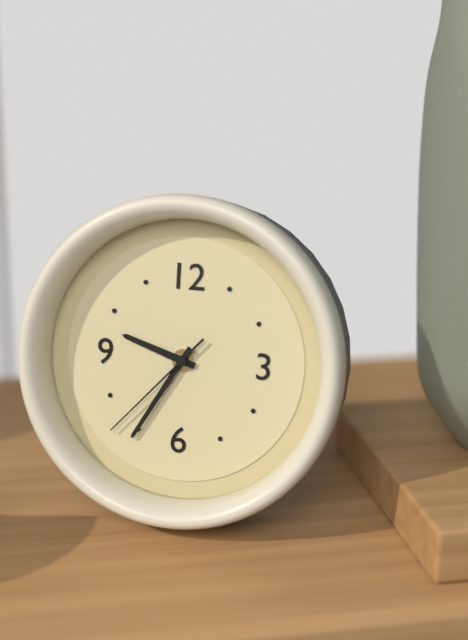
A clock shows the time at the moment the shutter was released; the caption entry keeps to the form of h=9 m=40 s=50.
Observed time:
h=9 m=35 s=37
